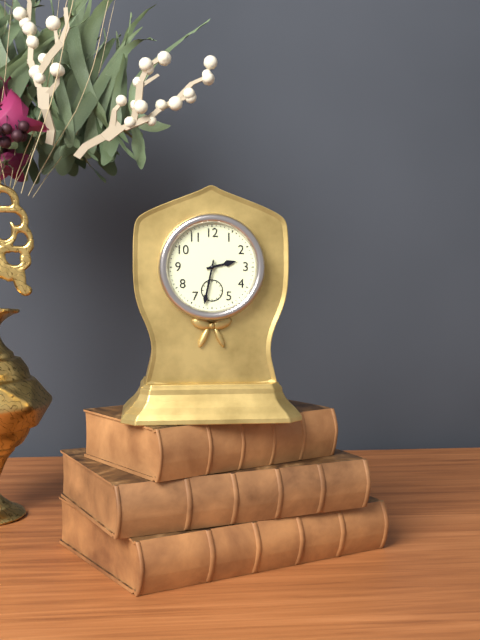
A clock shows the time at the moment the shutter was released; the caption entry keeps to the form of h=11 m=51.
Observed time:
h=2 m=32
